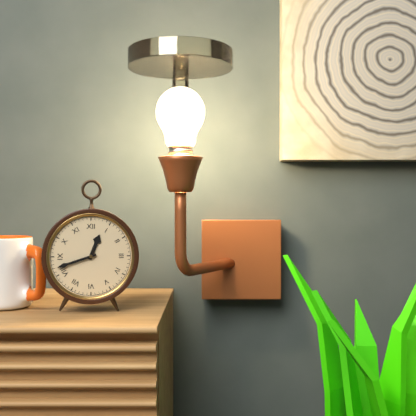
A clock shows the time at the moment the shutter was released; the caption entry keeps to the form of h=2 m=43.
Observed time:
h=12 m=42
